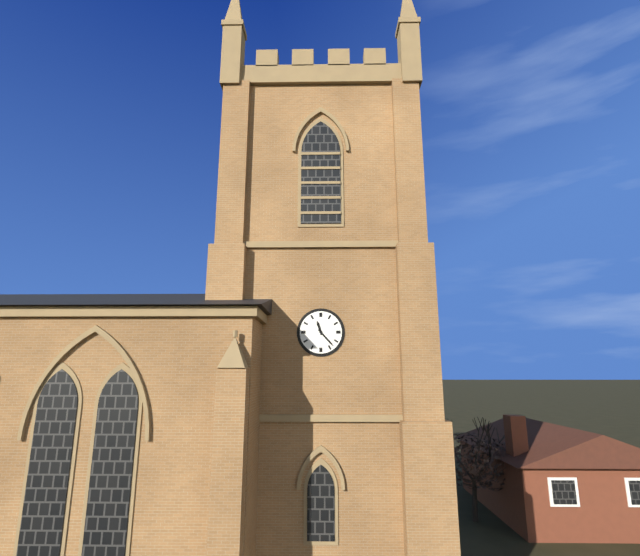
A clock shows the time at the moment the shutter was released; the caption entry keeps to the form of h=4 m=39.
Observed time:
h=11 m=23
